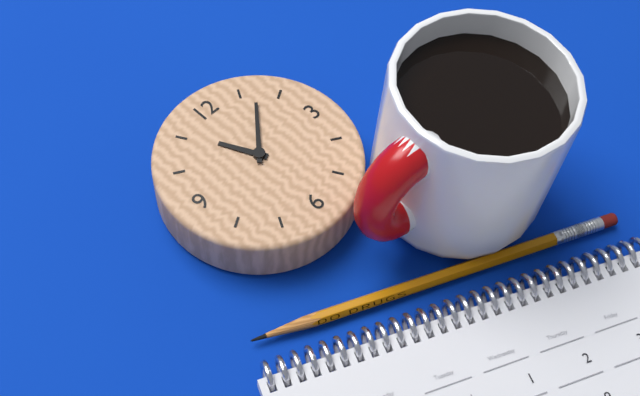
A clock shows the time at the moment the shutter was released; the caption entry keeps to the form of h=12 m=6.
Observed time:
h=11 m=7
